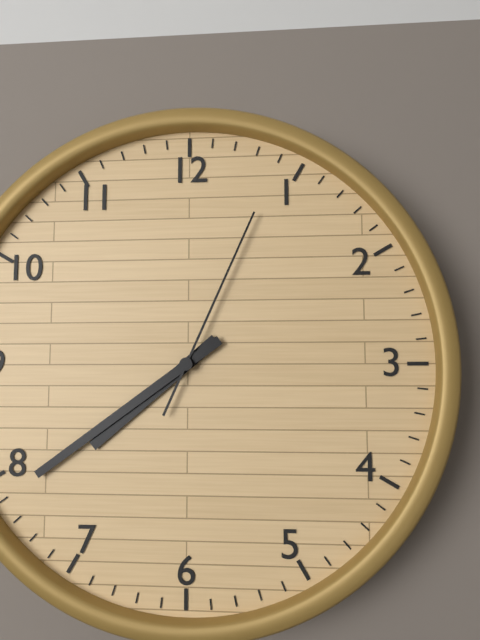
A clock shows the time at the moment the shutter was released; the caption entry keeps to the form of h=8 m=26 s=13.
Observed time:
h=7 m=39 s=4
